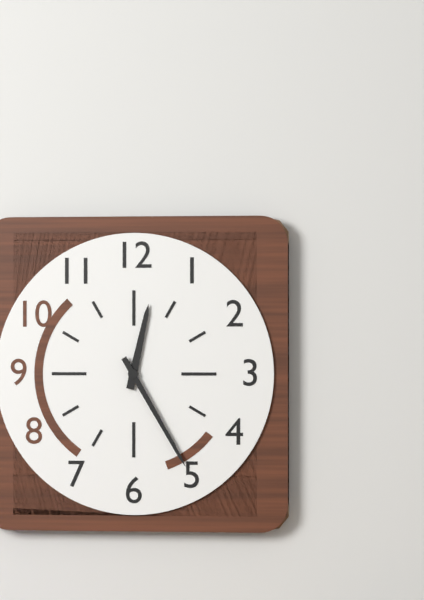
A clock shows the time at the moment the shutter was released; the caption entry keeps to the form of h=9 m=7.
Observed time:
h=12 m=25
